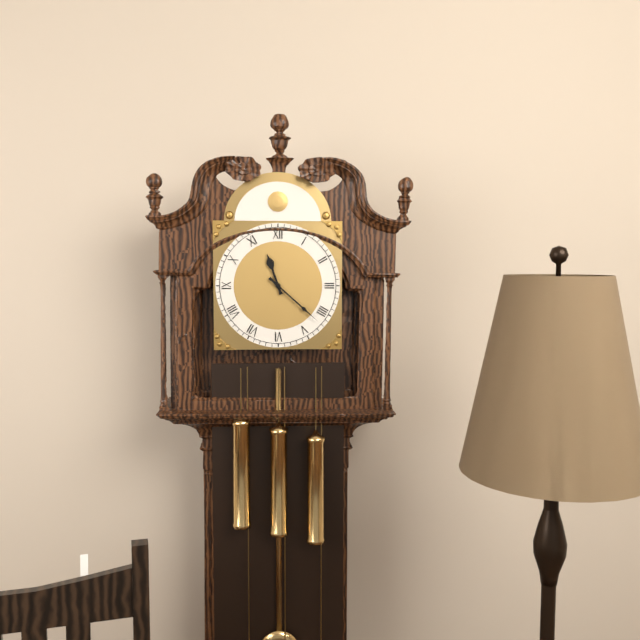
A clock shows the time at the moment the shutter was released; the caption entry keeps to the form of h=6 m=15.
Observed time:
h=11 m=22
